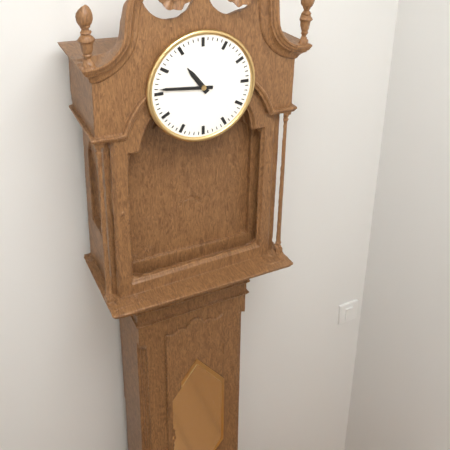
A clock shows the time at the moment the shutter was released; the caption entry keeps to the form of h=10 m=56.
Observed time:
h=10 m=46
